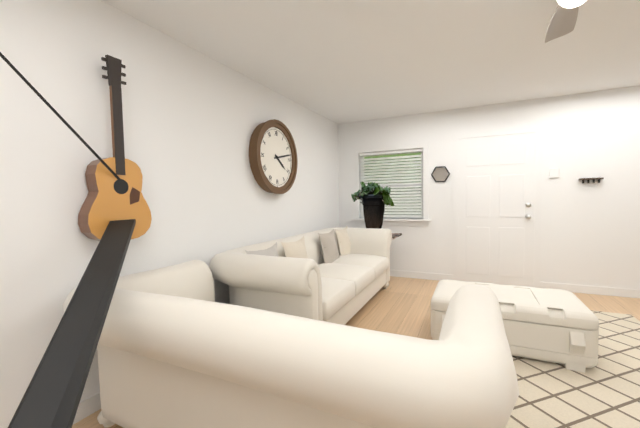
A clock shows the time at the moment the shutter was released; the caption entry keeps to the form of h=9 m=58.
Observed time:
h=4 m=13
